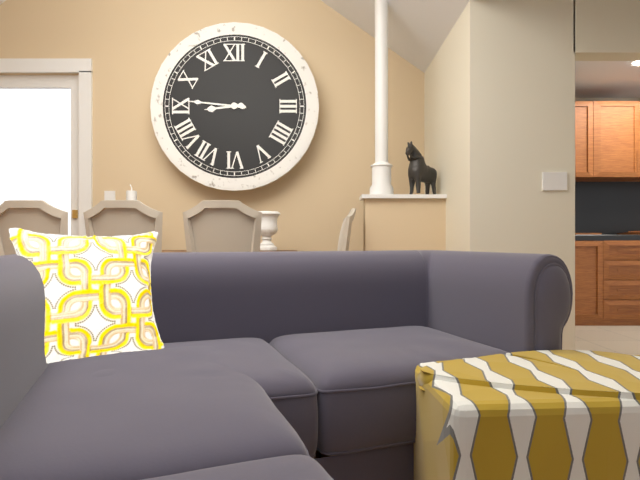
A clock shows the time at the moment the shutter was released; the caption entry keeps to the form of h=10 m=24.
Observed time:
h=8 m=46
